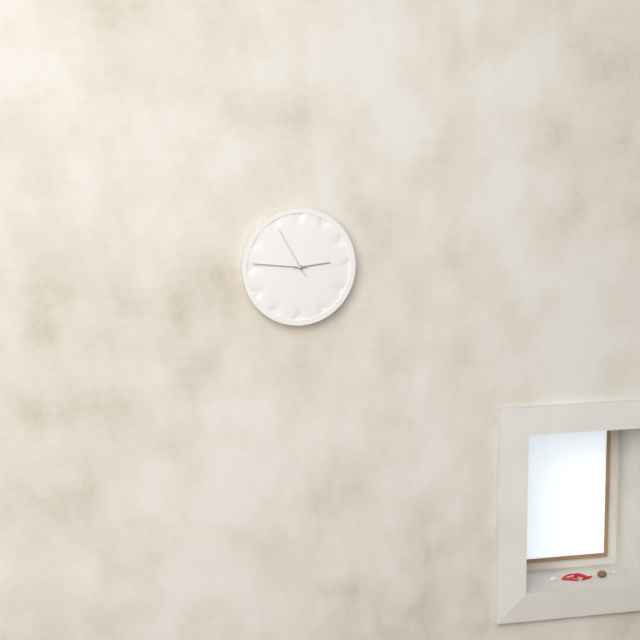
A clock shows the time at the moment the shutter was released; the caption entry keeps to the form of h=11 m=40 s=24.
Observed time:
h=2 m=46 s=55
